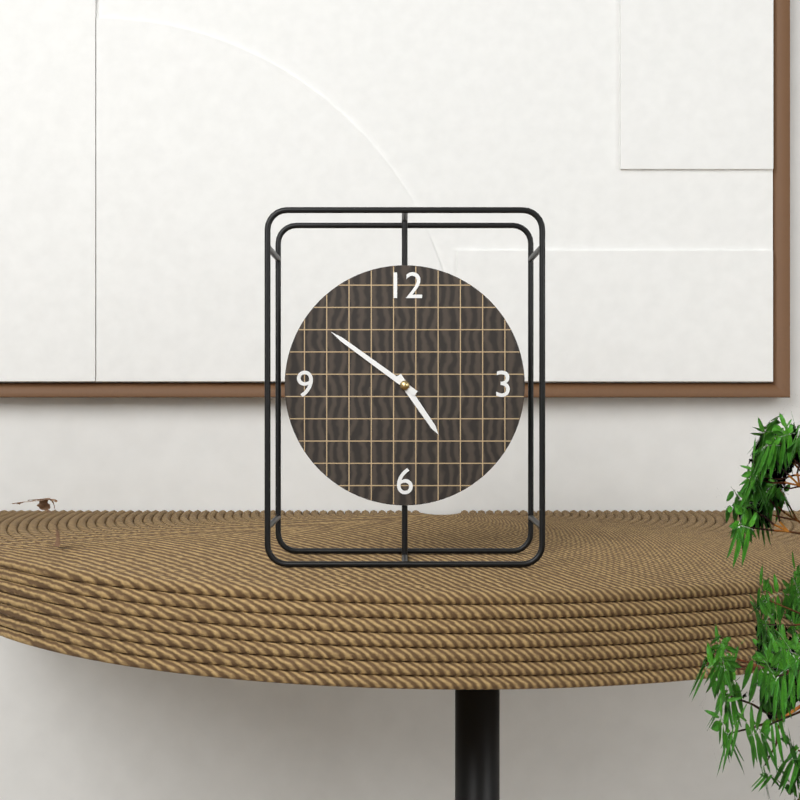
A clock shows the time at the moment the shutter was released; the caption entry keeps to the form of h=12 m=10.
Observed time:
h=4 m=51
